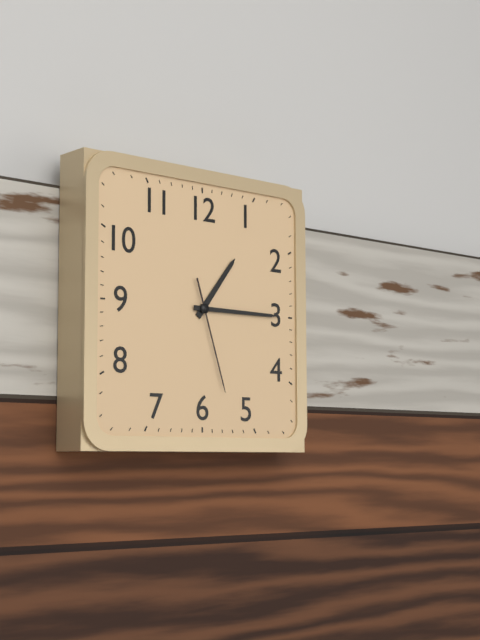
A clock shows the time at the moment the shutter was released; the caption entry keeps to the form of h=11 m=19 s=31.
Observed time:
h=1 m=15 s=27
